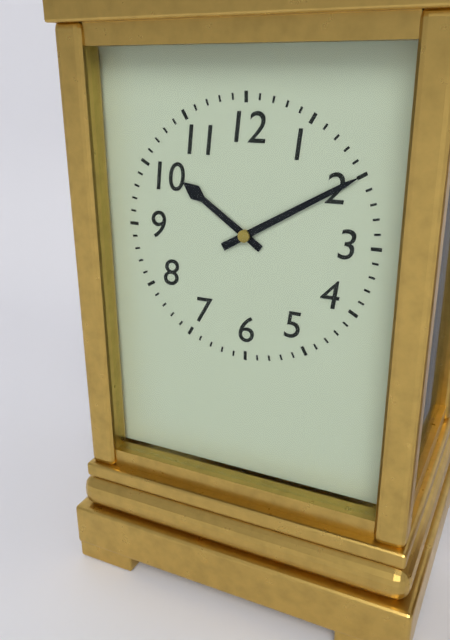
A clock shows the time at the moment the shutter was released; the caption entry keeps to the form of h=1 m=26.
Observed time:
h=10 m=10
